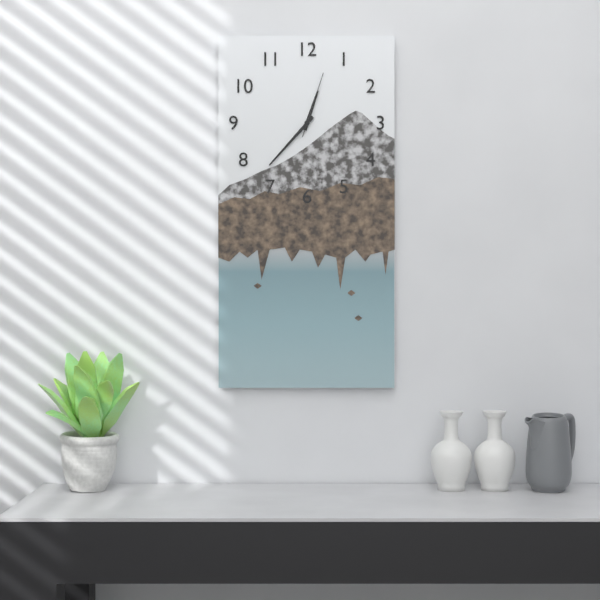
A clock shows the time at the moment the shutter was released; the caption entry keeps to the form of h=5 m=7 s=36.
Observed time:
h=12 m=37 s=3
